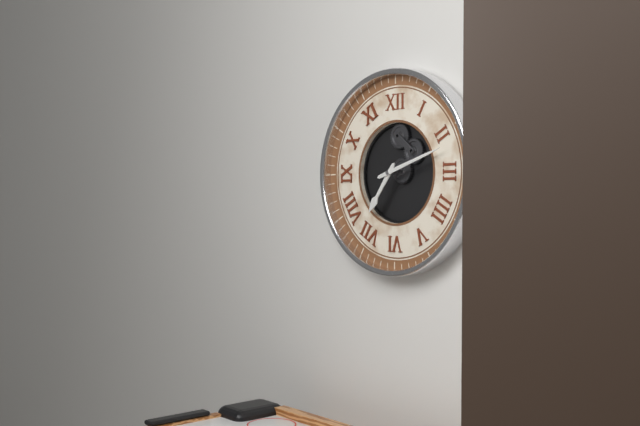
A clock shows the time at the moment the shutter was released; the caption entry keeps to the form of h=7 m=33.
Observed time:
h=7 m=12
